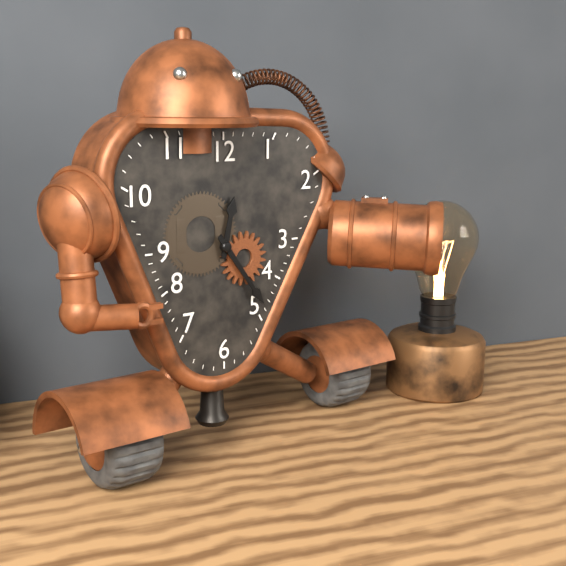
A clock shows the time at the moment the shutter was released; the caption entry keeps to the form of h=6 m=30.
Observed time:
h=12 m=24
